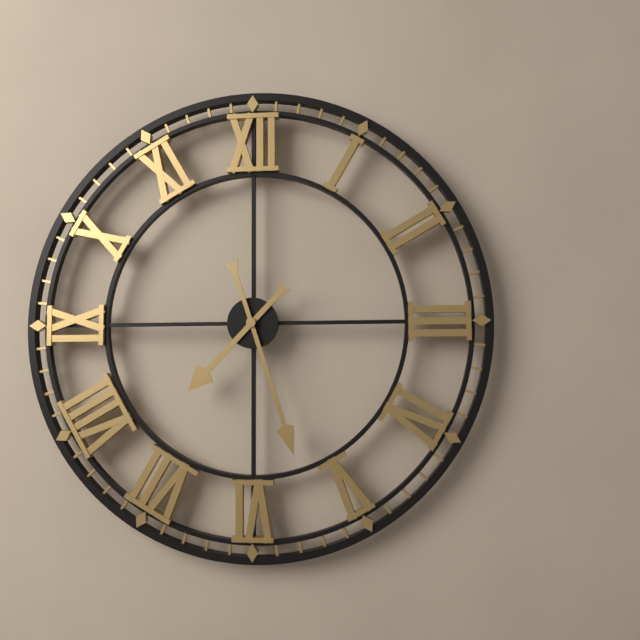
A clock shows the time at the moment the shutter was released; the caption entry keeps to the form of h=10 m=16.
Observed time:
h=7 m=27
